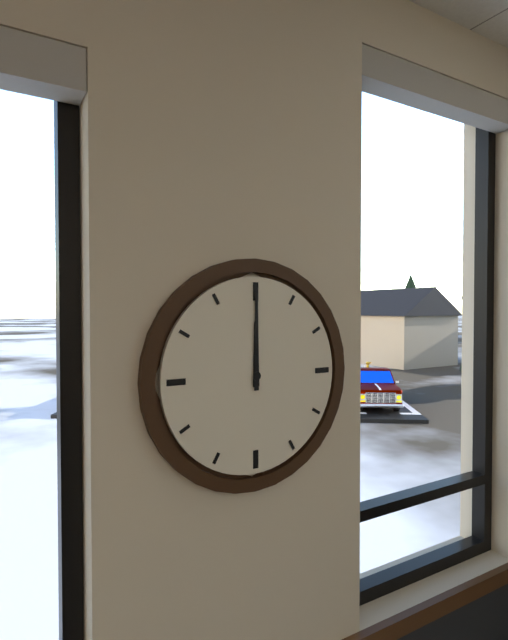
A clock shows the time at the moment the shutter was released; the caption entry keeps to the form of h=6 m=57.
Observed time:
h=12 m=0
